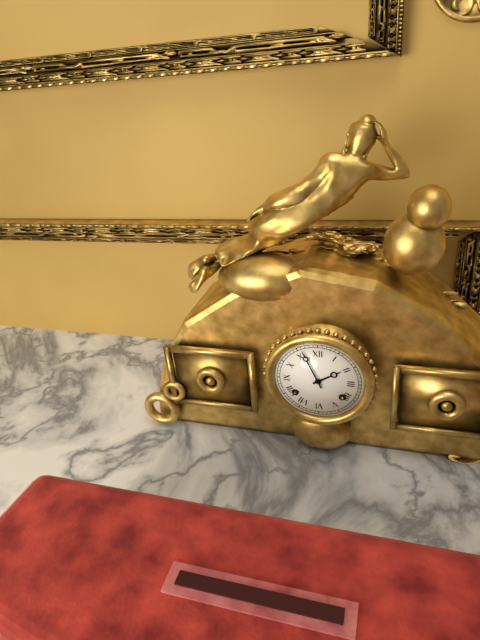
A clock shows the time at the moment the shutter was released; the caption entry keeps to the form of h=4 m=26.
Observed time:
h=1 m=56
